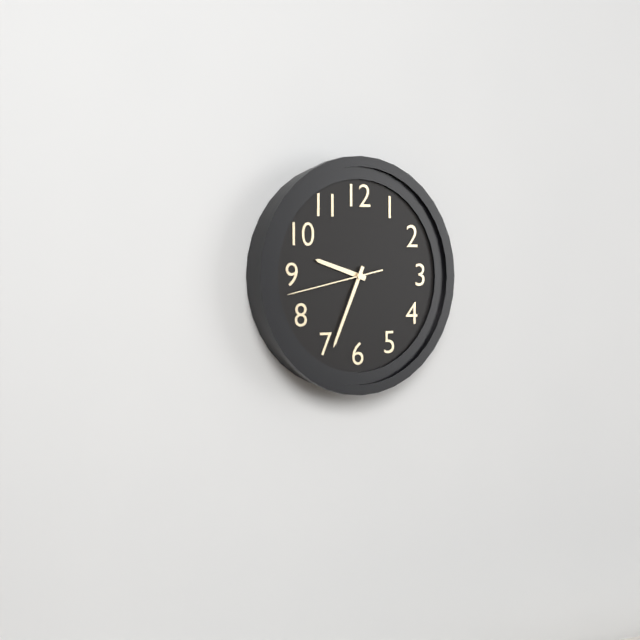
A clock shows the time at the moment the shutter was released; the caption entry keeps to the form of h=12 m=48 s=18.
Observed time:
h=9 m=34 s=43
